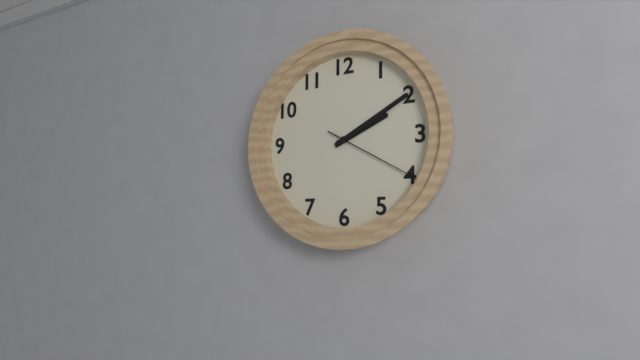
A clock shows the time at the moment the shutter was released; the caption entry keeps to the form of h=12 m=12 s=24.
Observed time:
h=2 m=10 s=20
